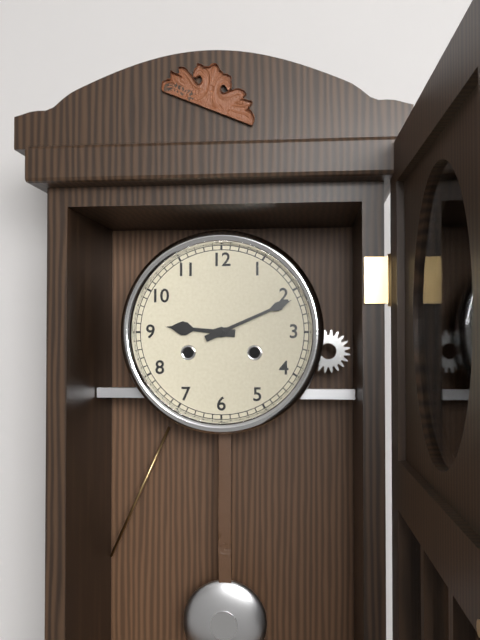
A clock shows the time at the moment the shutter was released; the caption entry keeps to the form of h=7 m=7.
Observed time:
h=9 m=11
